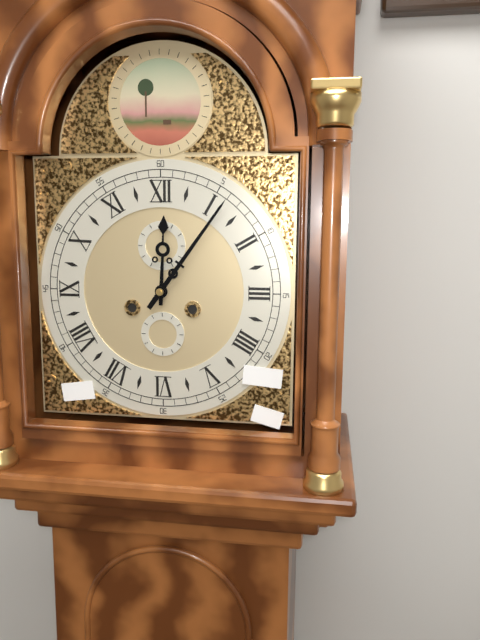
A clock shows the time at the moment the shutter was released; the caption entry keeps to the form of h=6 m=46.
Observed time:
h=12 m=6
